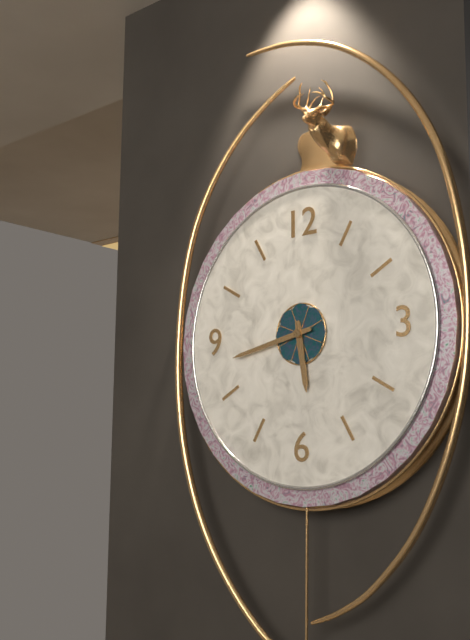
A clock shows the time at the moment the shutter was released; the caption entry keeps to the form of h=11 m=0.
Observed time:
h=5 m=43
